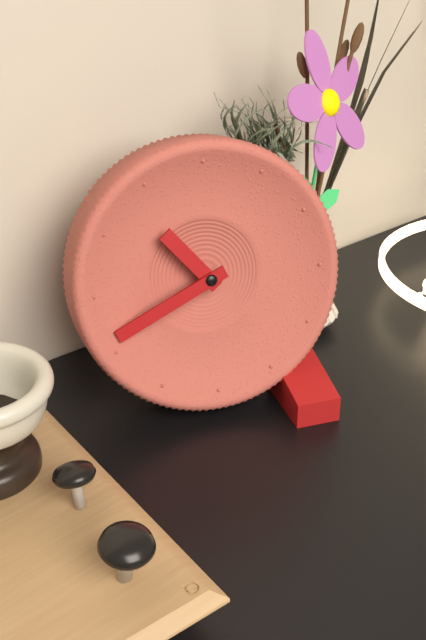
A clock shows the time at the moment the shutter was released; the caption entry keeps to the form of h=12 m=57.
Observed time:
h=10 m=41
